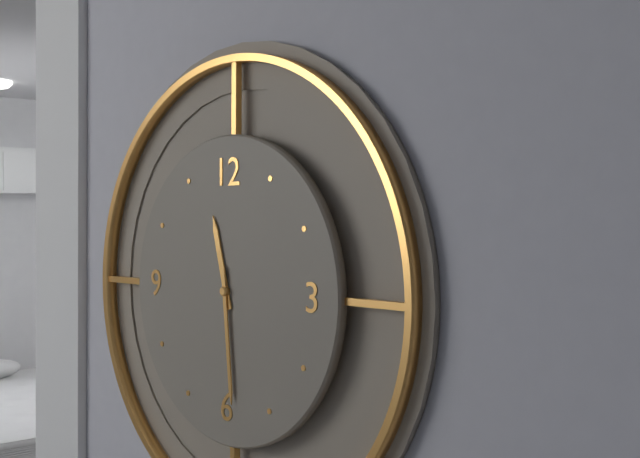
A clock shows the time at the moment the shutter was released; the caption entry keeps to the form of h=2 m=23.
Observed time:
h=11 m=29
